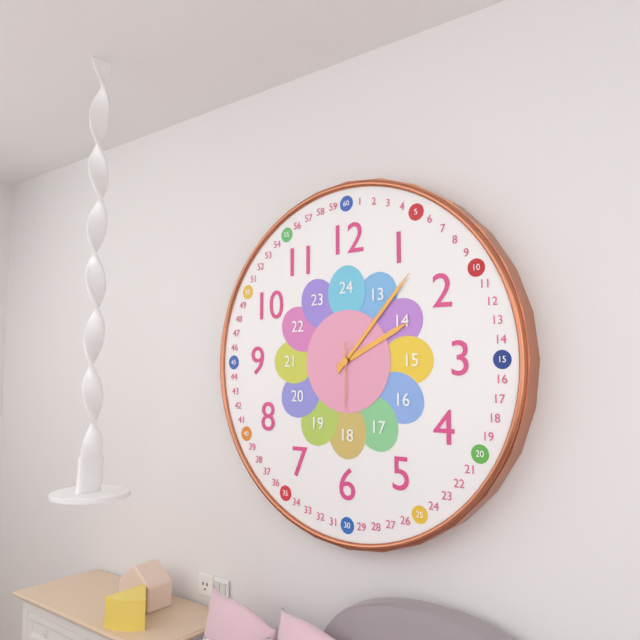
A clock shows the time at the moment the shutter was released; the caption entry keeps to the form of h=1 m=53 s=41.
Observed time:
h=2 m=7 s=30
